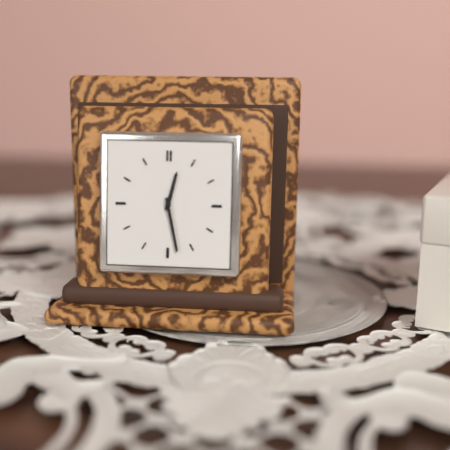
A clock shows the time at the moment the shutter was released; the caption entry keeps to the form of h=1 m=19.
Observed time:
h=12 m=28
